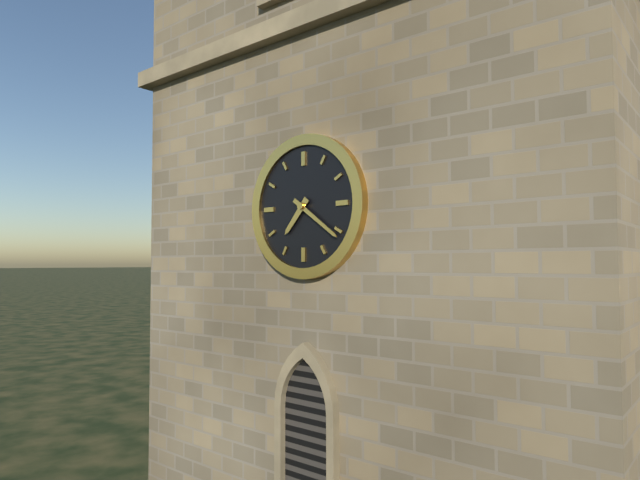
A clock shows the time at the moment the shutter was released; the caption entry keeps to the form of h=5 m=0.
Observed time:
h=7 m=21
